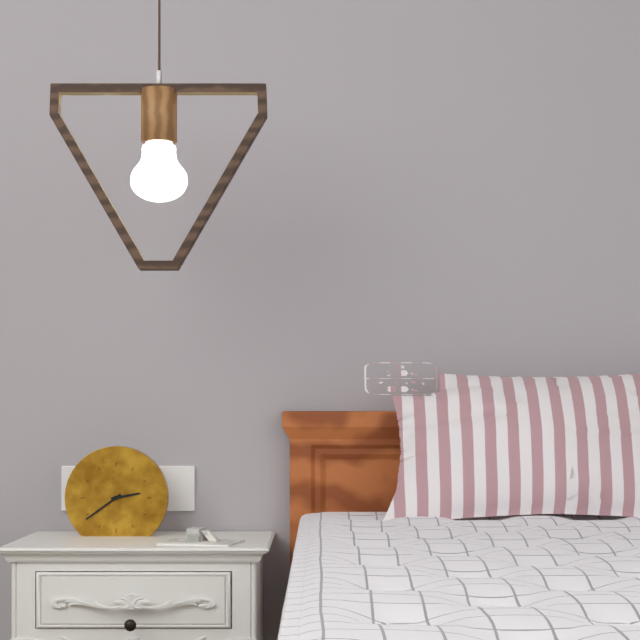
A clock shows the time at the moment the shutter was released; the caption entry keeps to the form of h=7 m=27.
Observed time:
h=2 m=39
